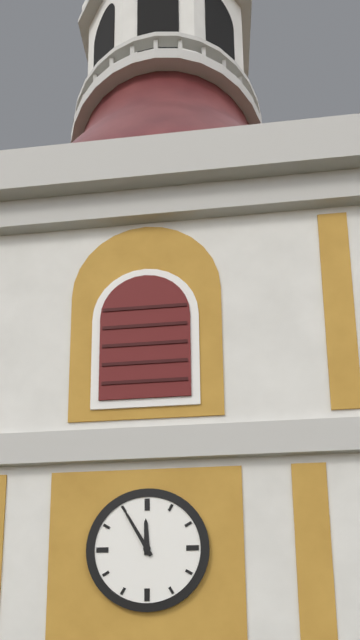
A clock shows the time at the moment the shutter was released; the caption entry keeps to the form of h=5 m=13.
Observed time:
h=11 m=55
